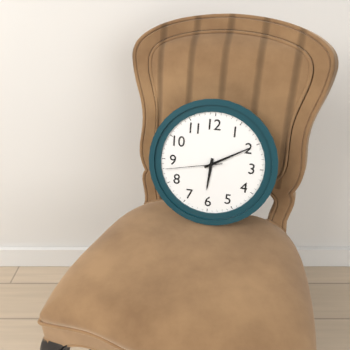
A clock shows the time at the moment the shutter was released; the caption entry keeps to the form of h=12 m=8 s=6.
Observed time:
h=6 m=10 s=43
